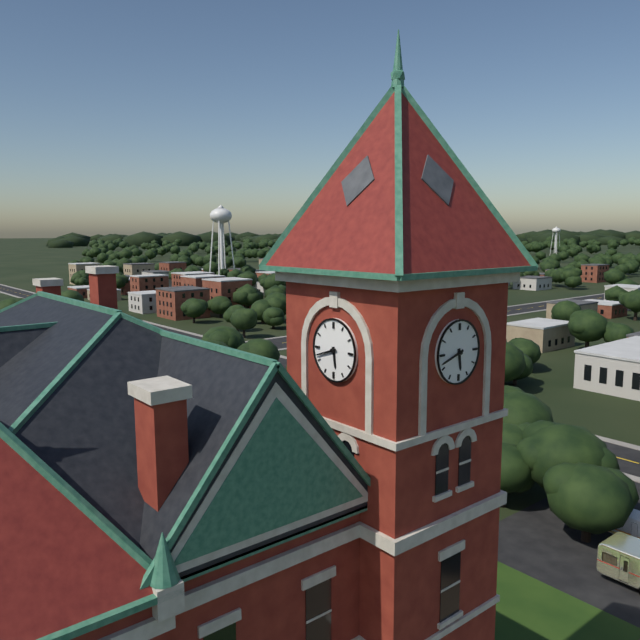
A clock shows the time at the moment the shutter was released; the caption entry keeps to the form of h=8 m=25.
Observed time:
h=5 m=42
